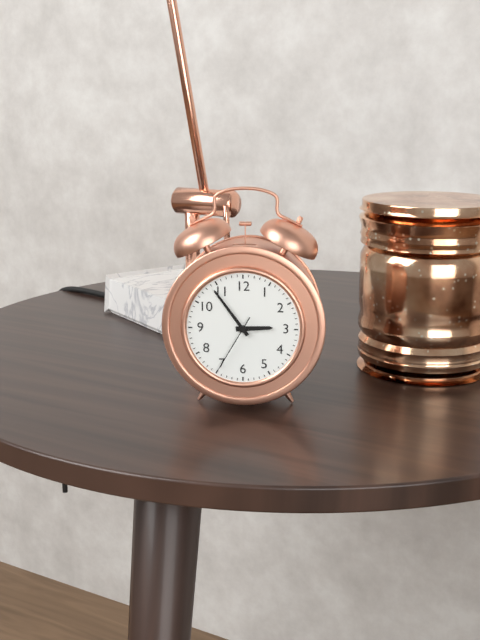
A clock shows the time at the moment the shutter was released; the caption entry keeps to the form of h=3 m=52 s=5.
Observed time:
h=2 m=54 s=35
